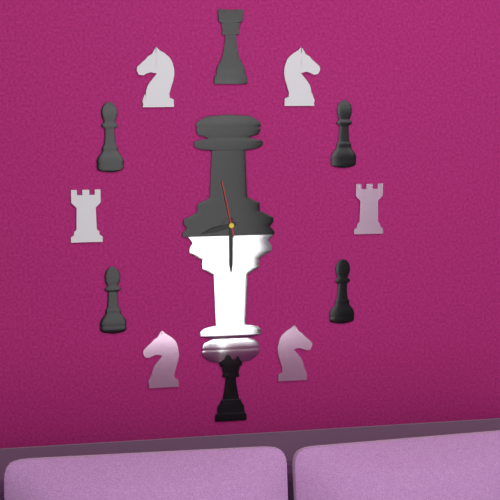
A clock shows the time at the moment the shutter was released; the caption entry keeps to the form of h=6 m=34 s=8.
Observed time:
h=8 m=30 s=58
